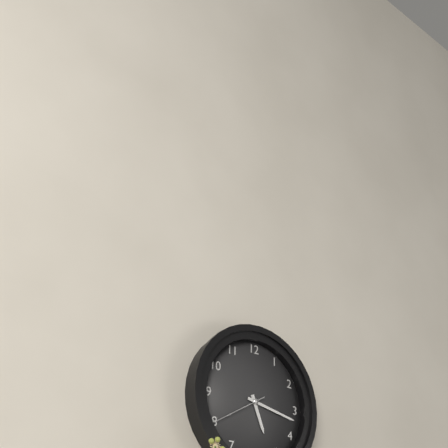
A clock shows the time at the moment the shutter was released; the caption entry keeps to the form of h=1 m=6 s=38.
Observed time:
h=5 m=17 s=40
